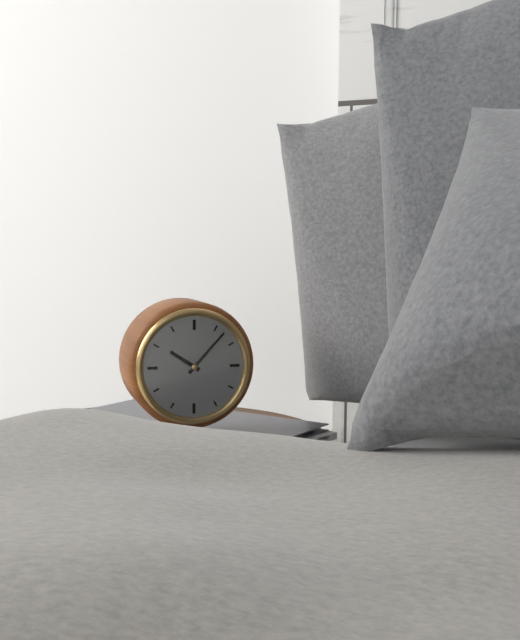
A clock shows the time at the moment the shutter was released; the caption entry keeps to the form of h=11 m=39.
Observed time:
h=10 m=7
